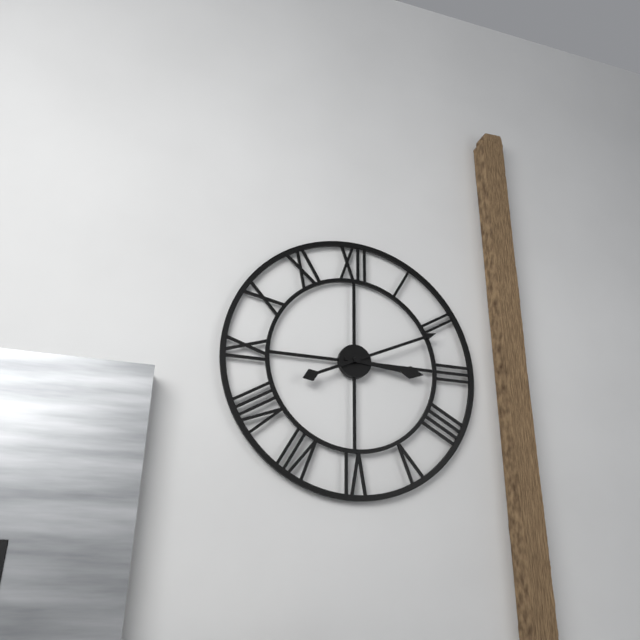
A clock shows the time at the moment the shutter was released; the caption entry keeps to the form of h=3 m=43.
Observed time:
h=3 m=11
